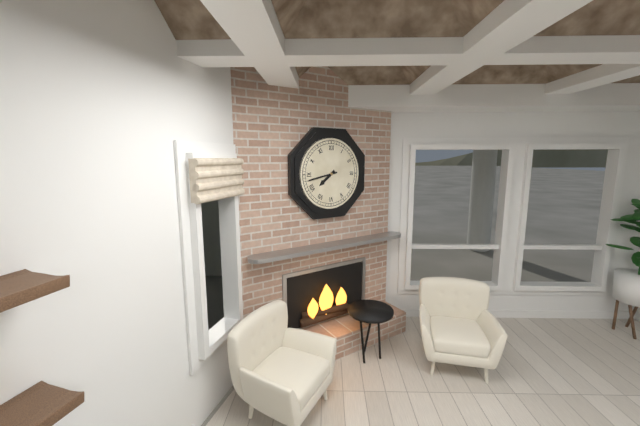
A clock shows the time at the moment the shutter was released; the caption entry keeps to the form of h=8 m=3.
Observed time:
h=7 m=43
